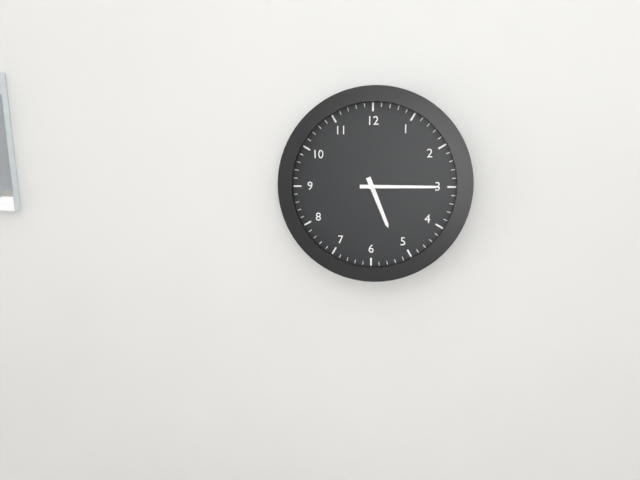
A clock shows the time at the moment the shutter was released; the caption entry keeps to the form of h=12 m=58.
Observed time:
h=5 m=15
